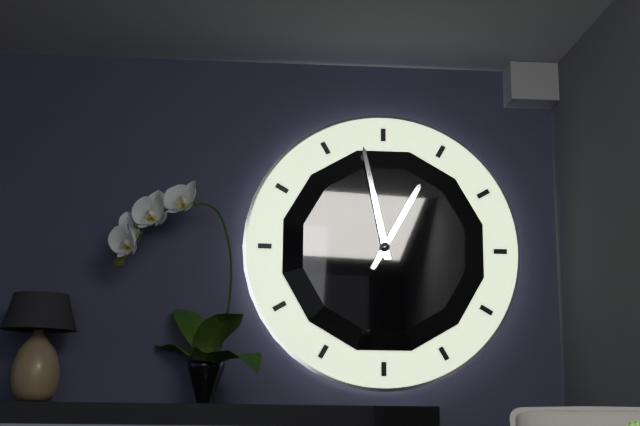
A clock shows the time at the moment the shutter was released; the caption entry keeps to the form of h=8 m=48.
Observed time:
h=12 m=58
